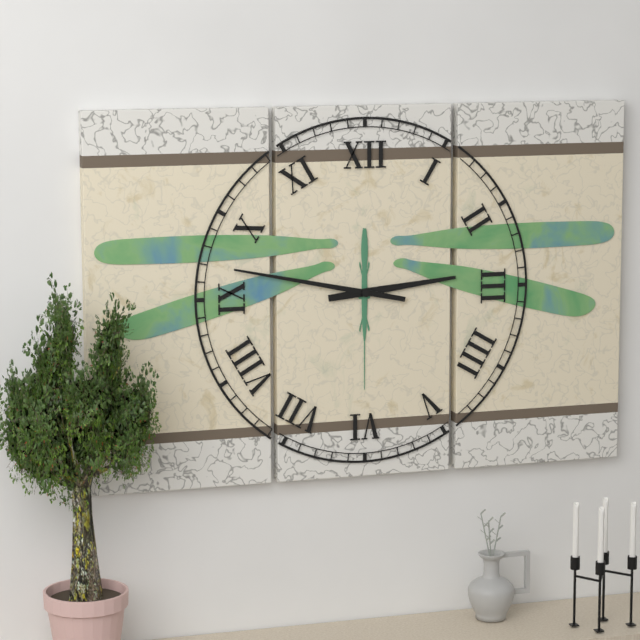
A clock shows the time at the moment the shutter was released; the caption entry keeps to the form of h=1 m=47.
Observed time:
h=2 m=47
